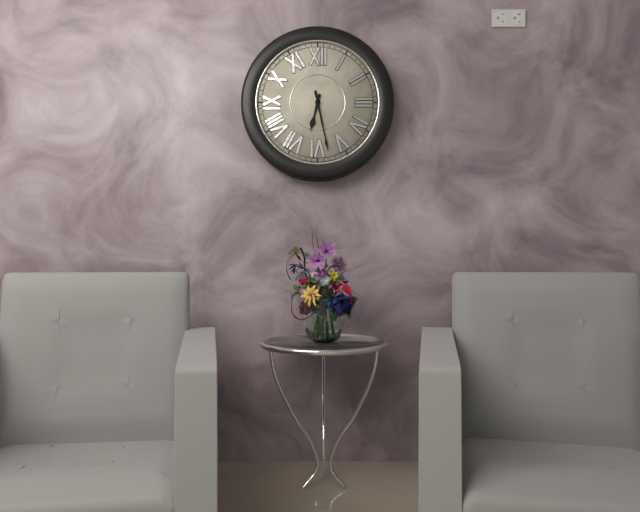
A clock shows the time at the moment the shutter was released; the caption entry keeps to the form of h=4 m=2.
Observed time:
h=6 m=28
